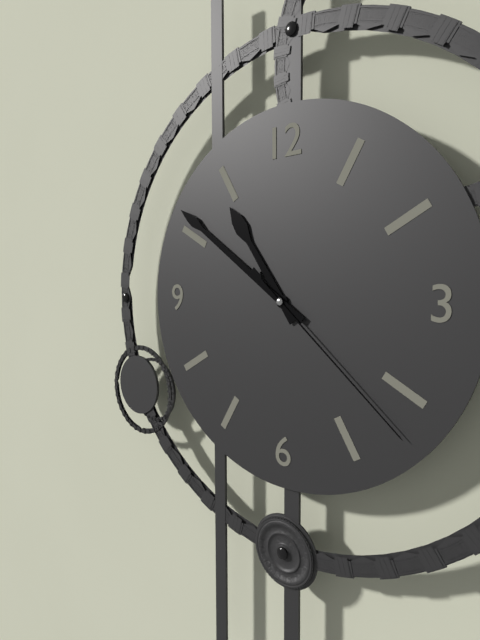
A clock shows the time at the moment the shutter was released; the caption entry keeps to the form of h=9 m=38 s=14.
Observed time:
h=10 m=51 s=22
